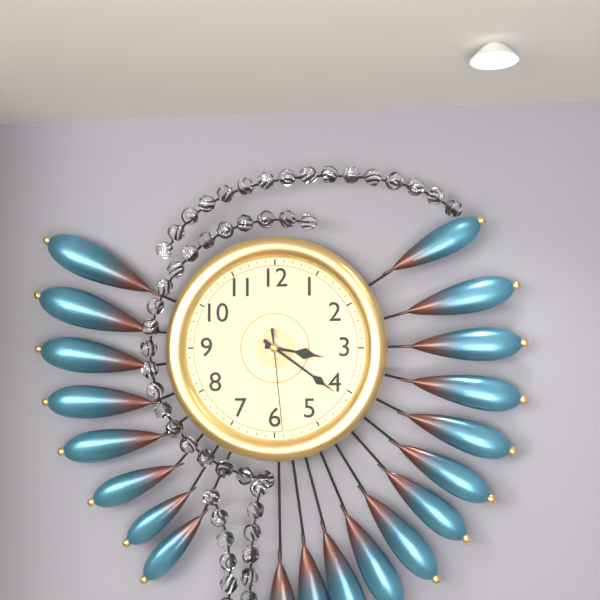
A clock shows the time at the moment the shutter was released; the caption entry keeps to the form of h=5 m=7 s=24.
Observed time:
h=3 m=21 s=29
